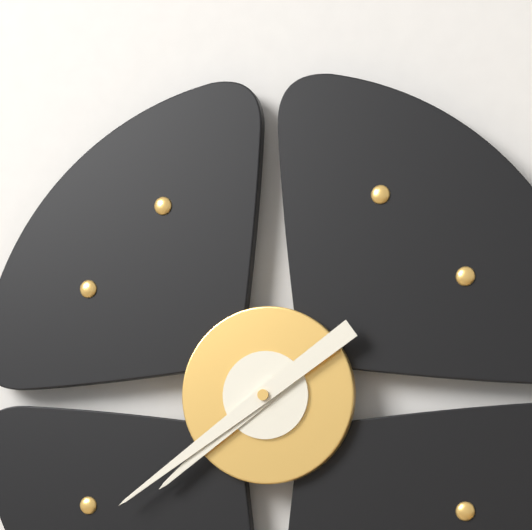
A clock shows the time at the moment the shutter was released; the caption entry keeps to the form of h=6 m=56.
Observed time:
h=7 m=39
